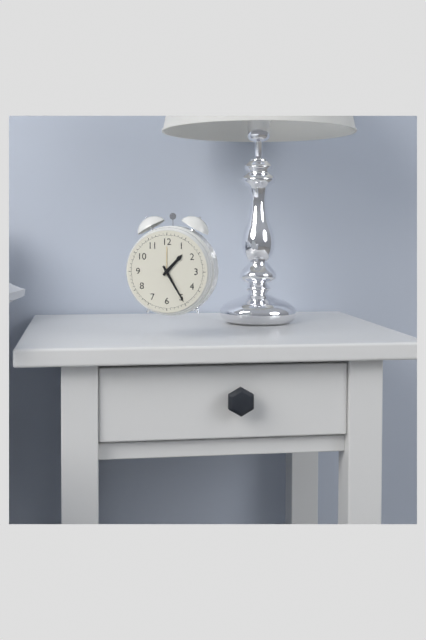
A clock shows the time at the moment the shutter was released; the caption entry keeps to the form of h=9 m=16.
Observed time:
h=1 m=25
